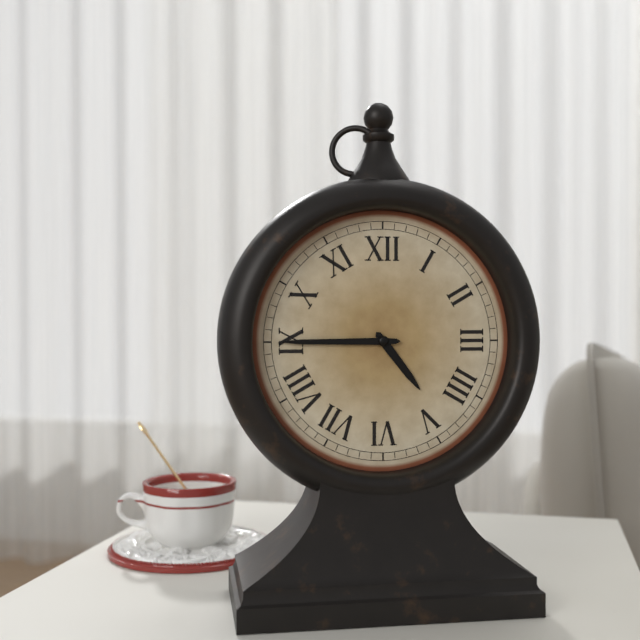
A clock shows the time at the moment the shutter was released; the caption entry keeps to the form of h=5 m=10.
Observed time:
h=4 m=45
